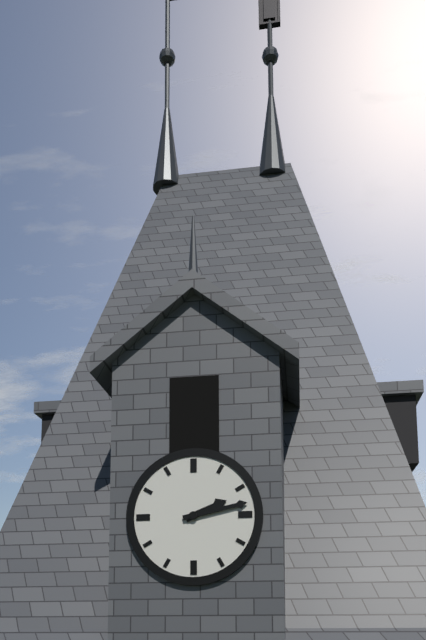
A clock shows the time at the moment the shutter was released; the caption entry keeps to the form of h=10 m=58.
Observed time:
h=2 m=13
